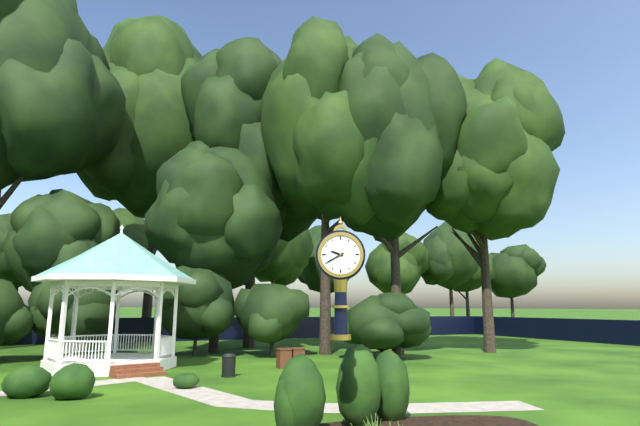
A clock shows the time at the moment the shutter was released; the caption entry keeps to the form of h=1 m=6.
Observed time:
h=9 m=40
